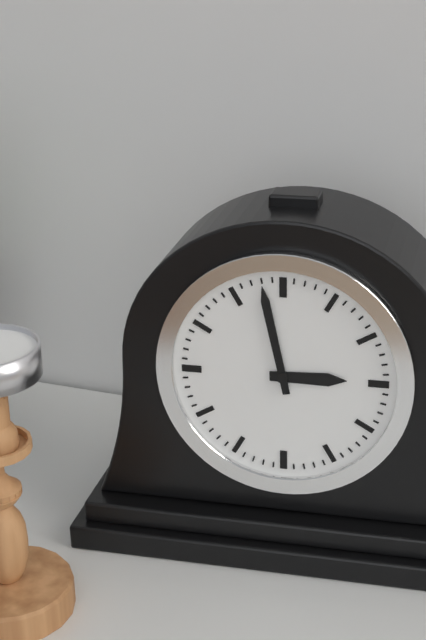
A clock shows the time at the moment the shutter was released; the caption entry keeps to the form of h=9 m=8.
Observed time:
h=2 m=58
